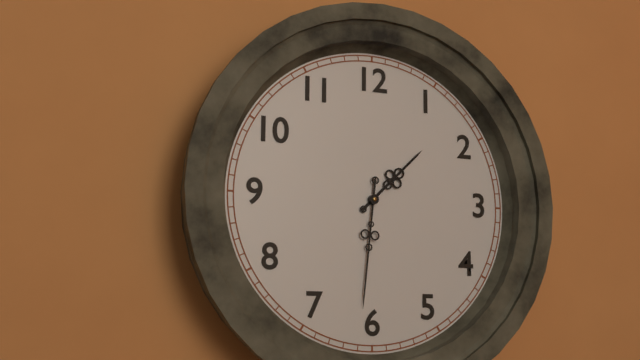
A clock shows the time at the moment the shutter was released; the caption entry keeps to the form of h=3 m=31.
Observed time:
h=1 m=31
